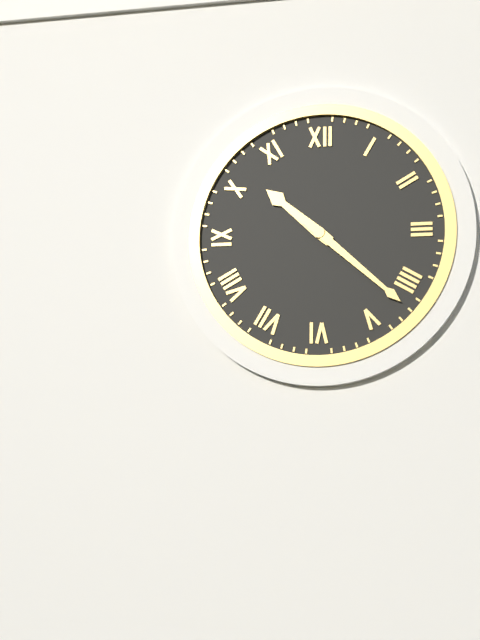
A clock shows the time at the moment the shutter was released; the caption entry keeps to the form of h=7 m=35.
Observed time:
h=10 m=22
